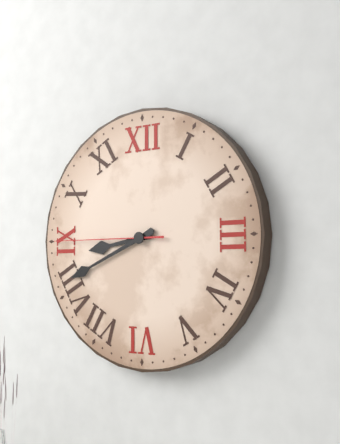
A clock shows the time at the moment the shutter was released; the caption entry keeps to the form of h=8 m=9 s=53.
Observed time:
h=8 m=41 s=45
